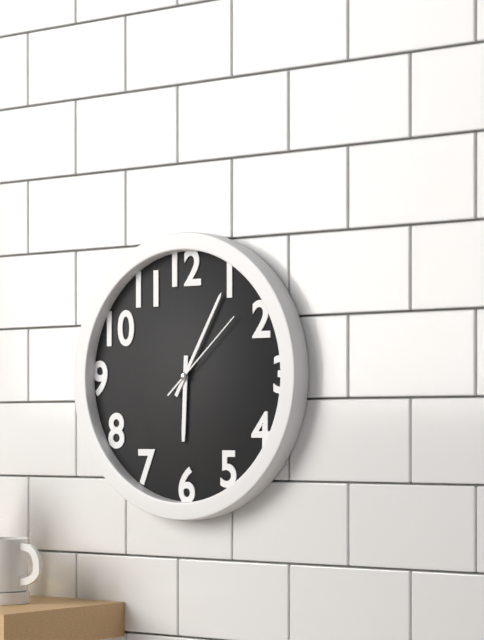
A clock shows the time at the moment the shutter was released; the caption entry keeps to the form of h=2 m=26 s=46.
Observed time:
h=6 m=5 s=8
